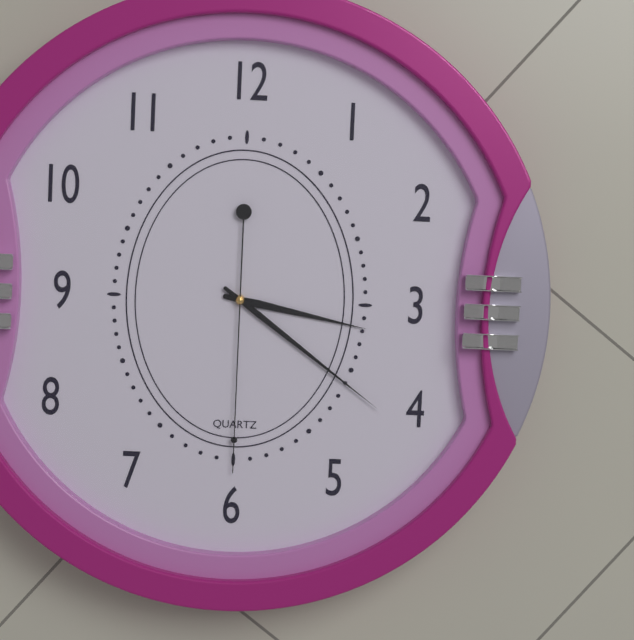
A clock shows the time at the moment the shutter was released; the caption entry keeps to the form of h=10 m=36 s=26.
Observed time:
h=3 m=21 s=30
